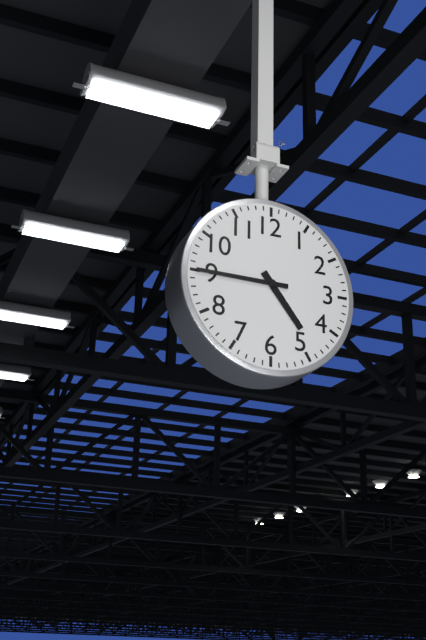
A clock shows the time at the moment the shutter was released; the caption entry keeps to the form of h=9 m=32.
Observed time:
h=4 m=45
